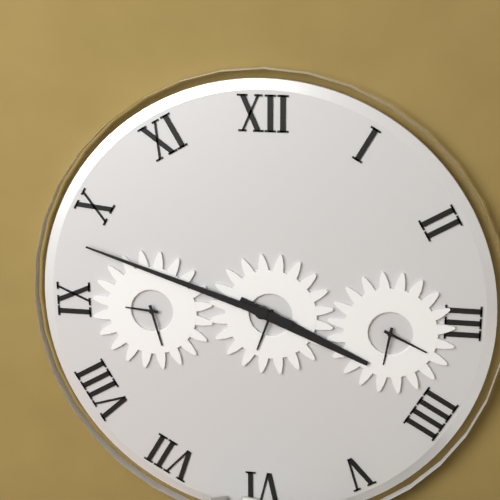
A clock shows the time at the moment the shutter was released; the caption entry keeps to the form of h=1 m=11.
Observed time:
h=3 m=48
